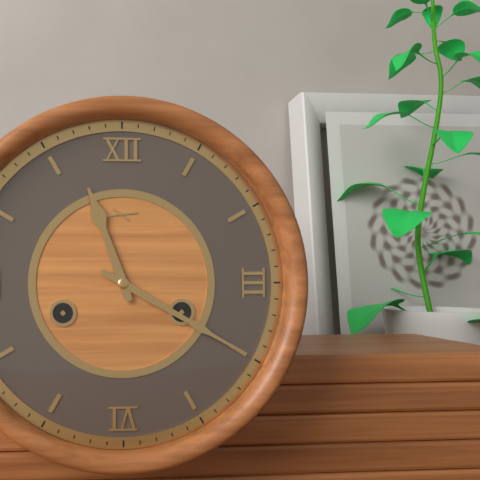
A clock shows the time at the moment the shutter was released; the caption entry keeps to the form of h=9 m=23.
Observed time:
h=11 m=20
